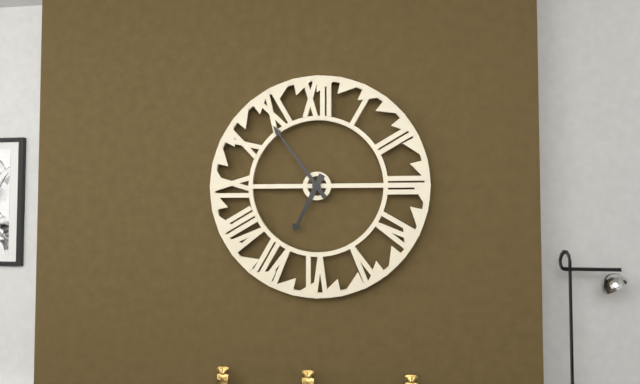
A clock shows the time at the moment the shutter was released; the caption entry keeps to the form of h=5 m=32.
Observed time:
h=6 m=54
